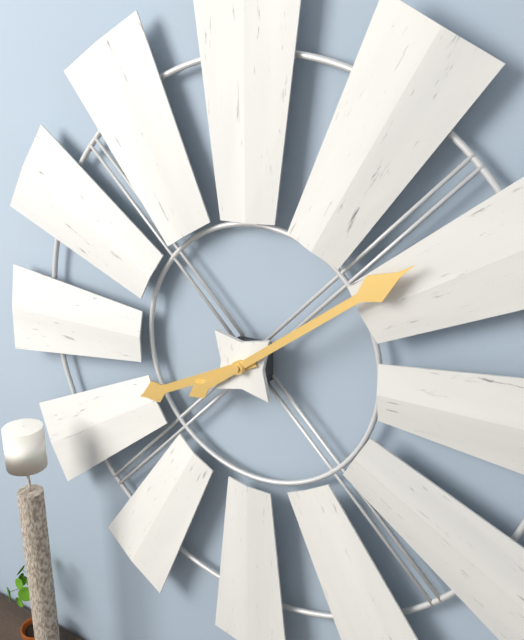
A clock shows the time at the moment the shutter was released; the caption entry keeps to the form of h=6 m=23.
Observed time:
h=8 m=9
